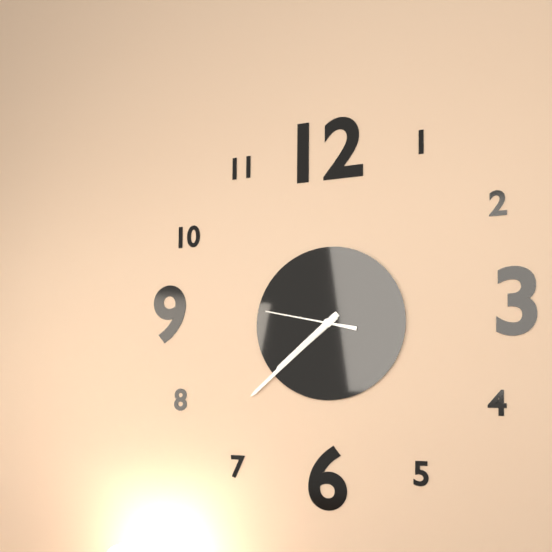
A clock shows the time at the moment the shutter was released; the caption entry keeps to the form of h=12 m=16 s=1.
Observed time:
h=7 m=38 s=47
